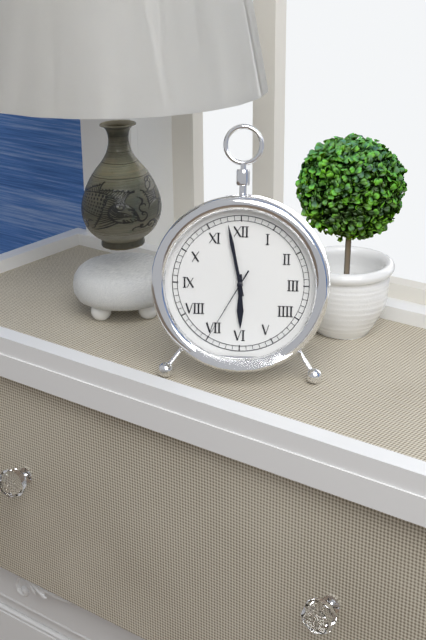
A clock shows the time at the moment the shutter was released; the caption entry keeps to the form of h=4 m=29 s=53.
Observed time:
h=5 m=58 s=35
